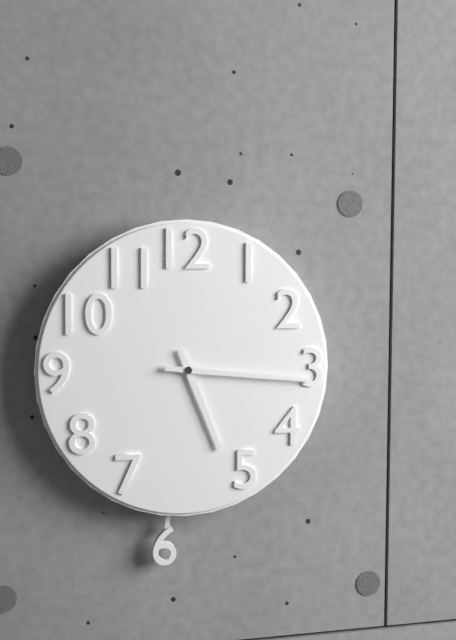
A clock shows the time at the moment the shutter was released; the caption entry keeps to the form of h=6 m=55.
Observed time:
h=5 m=16
